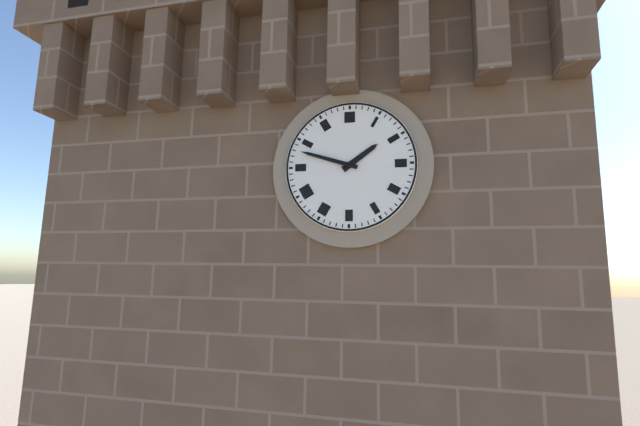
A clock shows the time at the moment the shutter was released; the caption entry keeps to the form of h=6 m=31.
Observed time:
h=1 m=48
